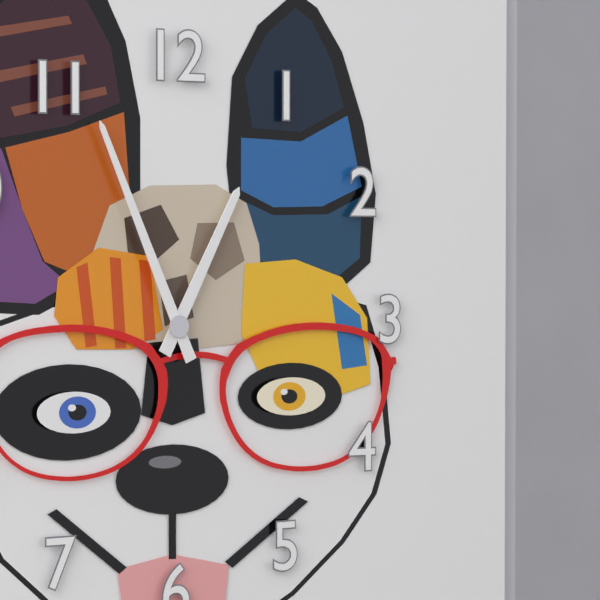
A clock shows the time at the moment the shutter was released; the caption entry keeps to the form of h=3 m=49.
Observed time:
h=12 m=56
